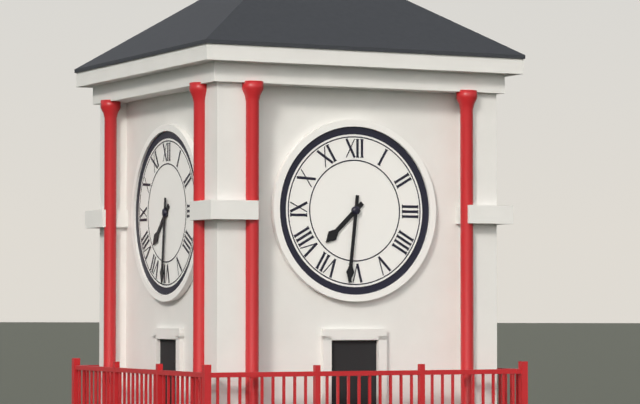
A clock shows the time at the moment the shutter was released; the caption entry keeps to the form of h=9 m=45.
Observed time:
h=7 m=31
